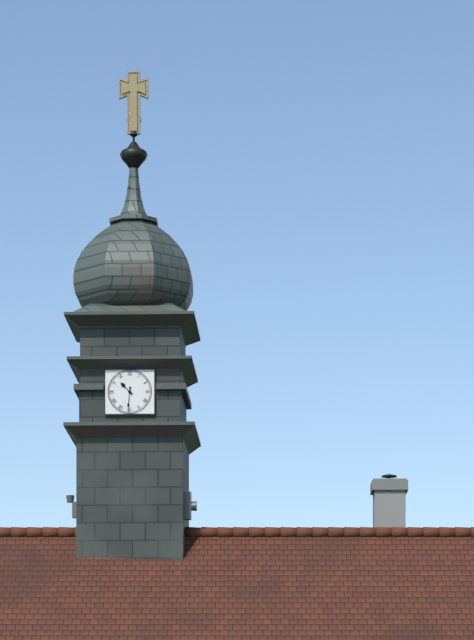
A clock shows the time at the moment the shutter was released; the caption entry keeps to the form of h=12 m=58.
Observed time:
h=10 m=31
